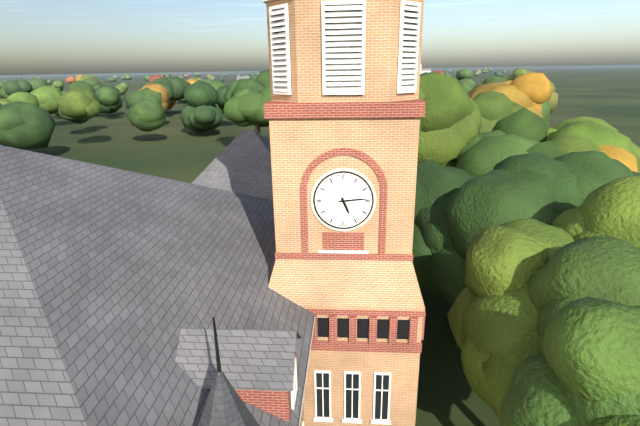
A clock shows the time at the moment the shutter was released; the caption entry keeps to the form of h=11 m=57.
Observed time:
h=5 m=14
